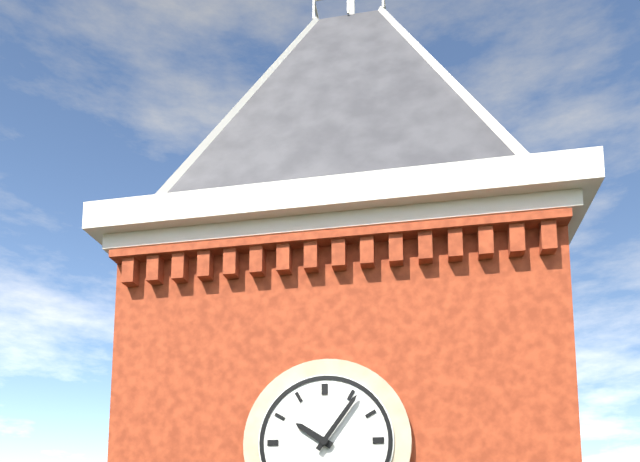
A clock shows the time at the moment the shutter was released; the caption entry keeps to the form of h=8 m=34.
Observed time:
h=10 m=6
